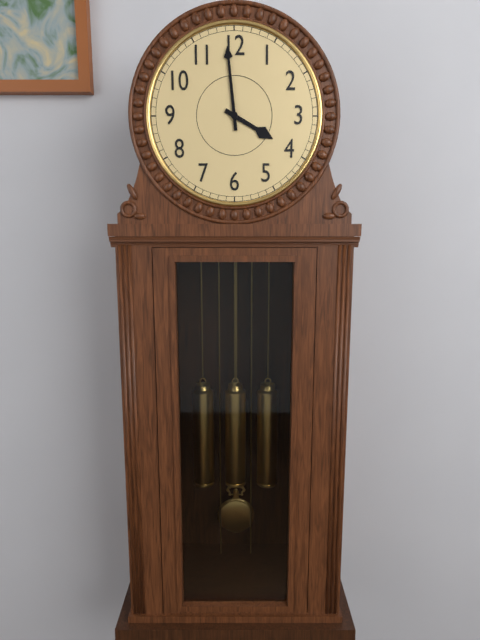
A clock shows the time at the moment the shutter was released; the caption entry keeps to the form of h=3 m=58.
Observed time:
h=3 m=59
